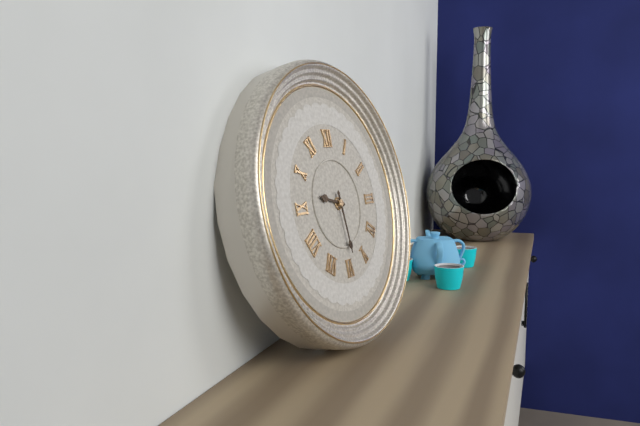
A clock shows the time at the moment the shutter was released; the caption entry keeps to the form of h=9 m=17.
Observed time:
h=9 m=29
